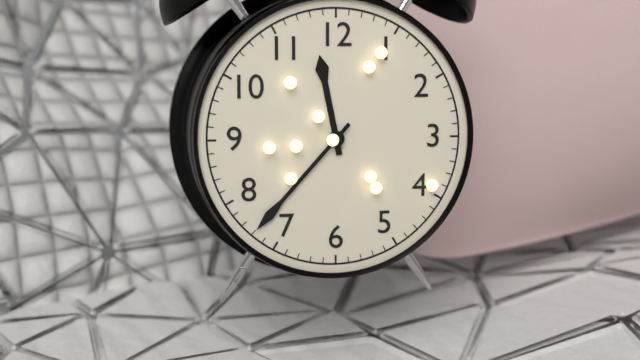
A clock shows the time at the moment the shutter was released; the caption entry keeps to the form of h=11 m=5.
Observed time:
h=11 m=37
